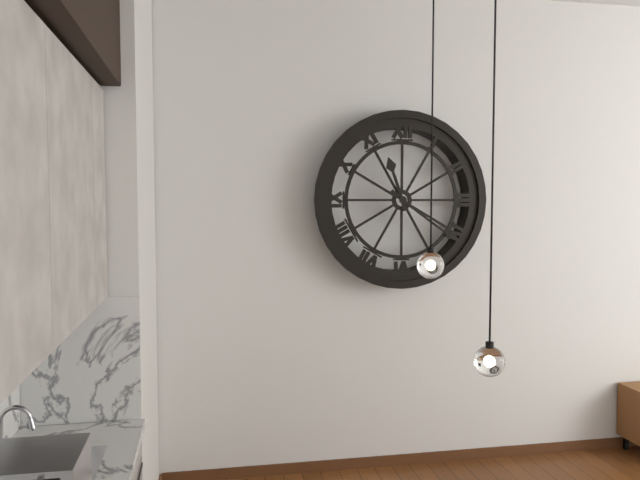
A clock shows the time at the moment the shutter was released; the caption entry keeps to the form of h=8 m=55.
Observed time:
h=11 m=21
